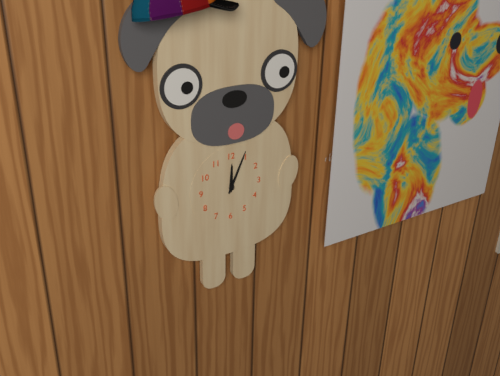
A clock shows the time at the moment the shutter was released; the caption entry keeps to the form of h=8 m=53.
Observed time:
h=12 m=4
